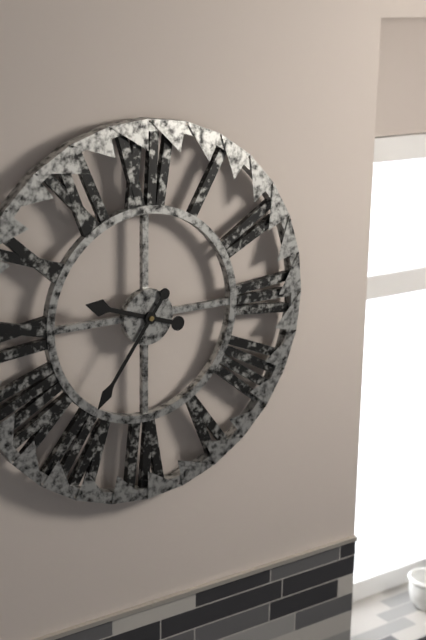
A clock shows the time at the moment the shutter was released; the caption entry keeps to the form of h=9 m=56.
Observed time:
h=9 m=36
